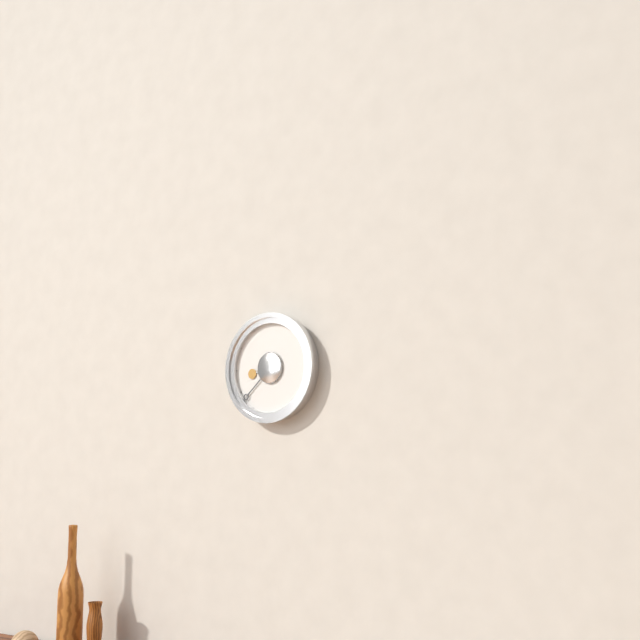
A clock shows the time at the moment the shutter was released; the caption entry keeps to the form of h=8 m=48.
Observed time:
h=8 m=38
